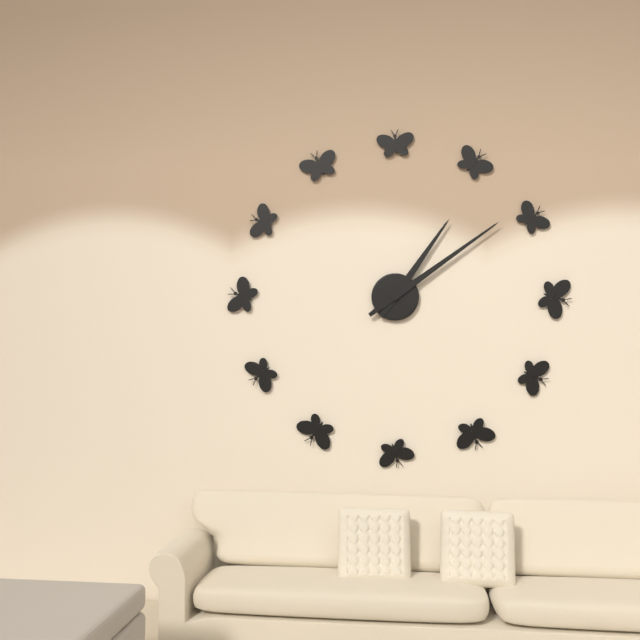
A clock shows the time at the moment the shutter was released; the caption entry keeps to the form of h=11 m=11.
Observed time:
h=1 m=9
